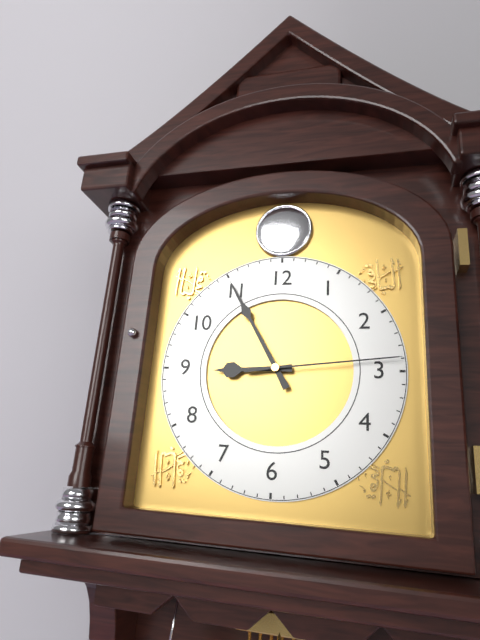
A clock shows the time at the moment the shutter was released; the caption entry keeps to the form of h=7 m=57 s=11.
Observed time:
h=8 m=55 s=14
